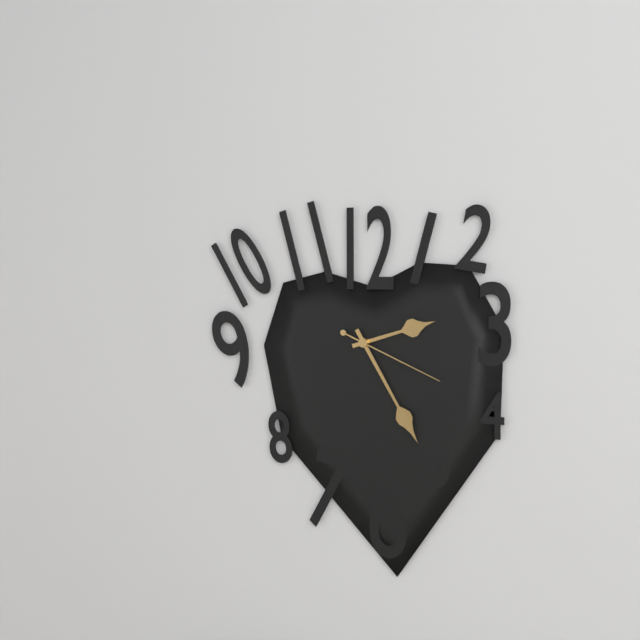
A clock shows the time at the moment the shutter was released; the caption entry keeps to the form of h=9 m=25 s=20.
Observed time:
h=2 m=25 s=19
